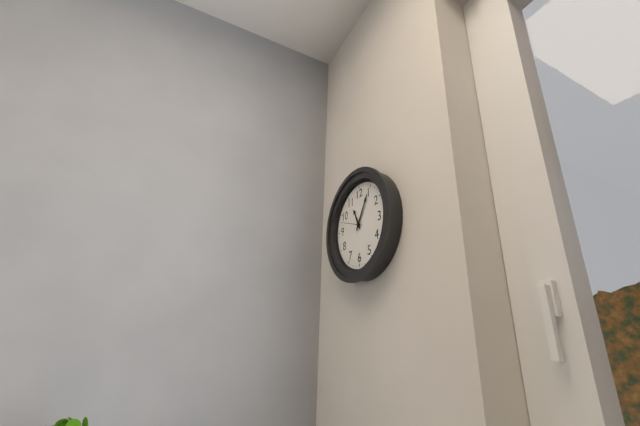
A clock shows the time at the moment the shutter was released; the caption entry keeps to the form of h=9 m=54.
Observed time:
h=11 m=5
